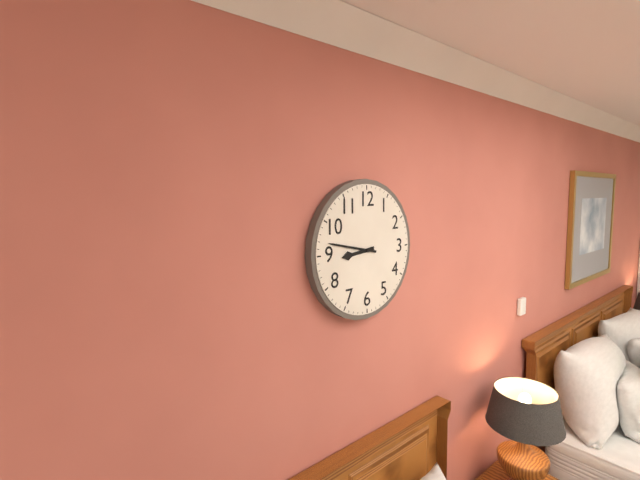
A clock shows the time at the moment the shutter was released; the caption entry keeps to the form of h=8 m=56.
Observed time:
h=8 m=47
